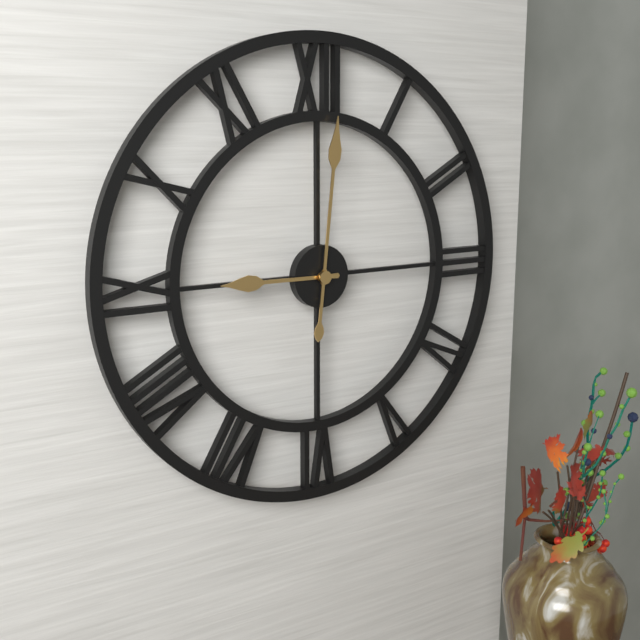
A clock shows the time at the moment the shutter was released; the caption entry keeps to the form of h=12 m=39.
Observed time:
h=9 m=1
